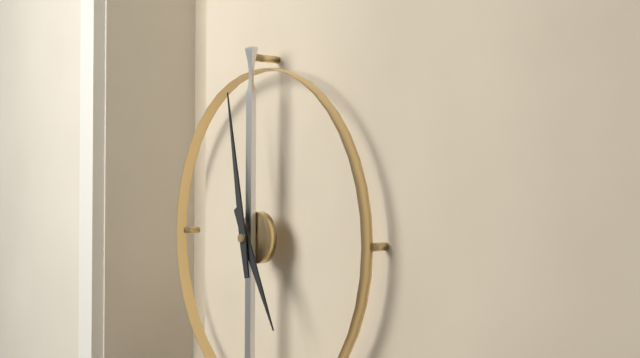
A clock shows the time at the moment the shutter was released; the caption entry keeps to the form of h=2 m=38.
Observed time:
h=4 m=58
